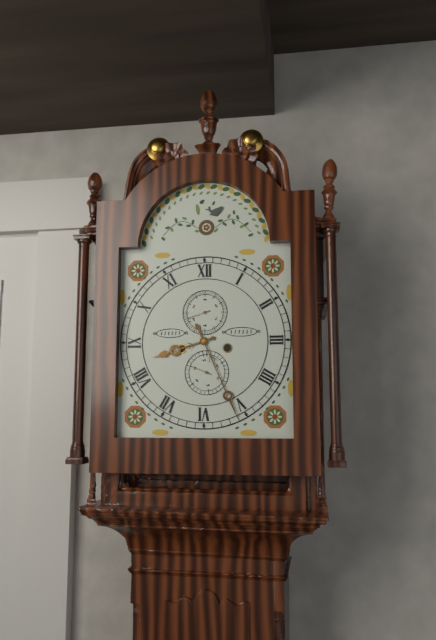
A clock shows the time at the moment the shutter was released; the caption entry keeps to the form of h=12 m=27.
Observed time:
h=8 m=26
